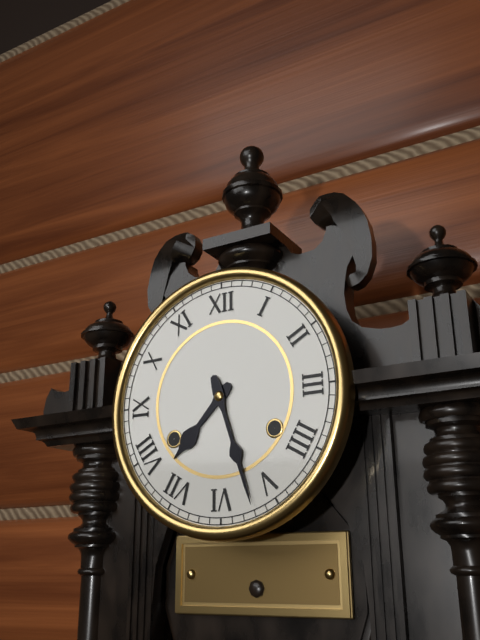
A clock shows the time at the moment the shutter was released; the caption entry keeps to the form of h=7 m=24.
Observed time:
h=7 m=27
